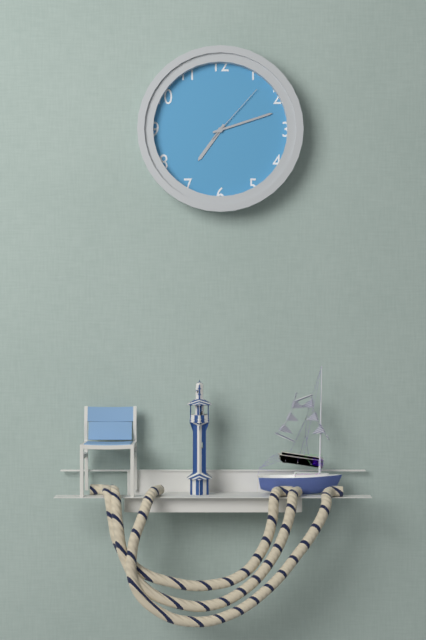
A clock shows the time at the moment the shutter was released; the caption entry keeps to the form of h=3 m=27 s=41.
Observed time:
h=7 m=12 s=7
